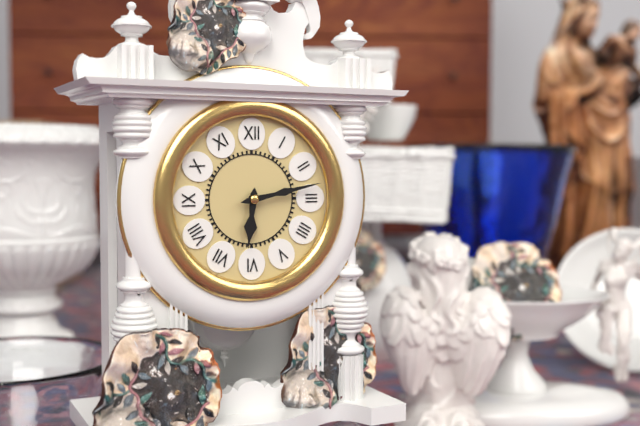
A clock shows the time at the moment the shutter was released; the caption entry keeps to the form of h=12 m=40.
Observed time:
h=6 m=13
